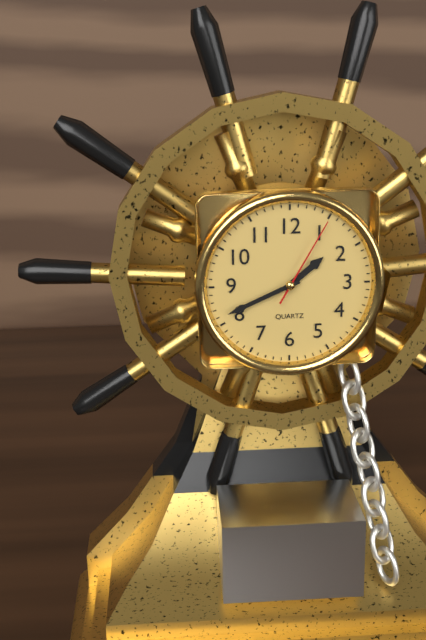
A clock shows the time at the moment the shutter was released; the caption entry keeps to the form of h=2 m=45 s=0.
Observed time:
h=1 m=41 s=5
